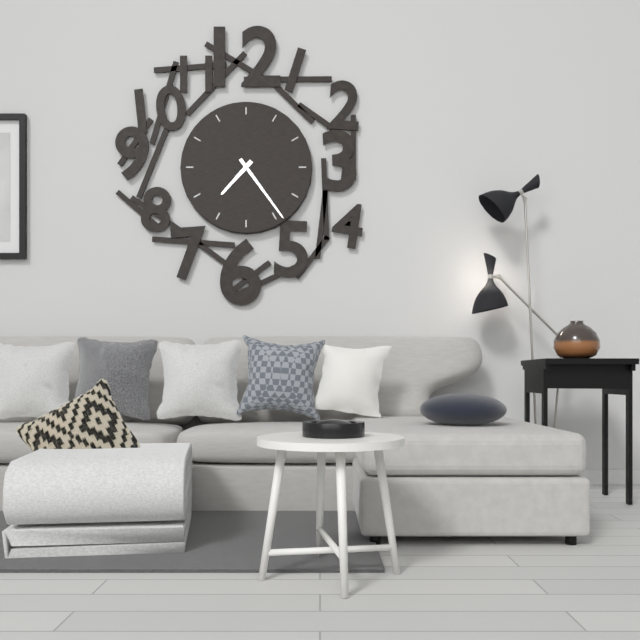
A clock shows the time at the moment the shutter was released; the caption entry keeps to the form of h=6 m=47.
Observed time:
h=7 m=24
